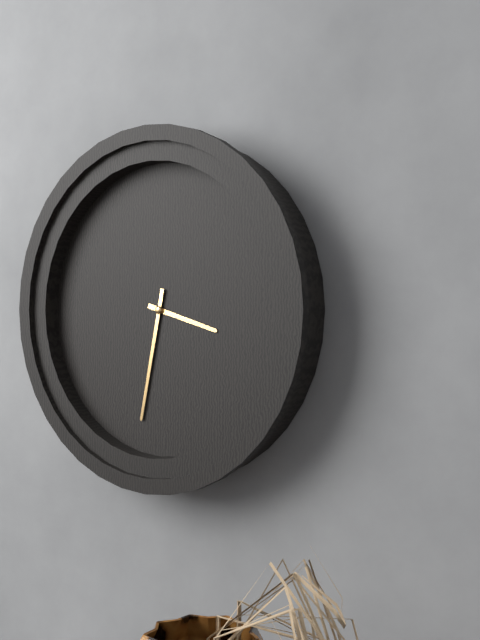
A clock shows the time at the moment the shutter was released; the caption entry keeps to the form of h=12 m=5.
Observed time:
h=3 m=32
